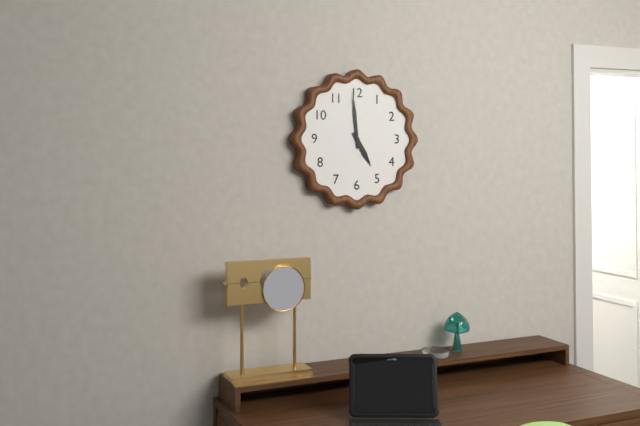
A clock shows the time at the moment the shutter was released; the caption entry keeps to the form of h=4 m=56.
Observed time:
h=4 m=59
